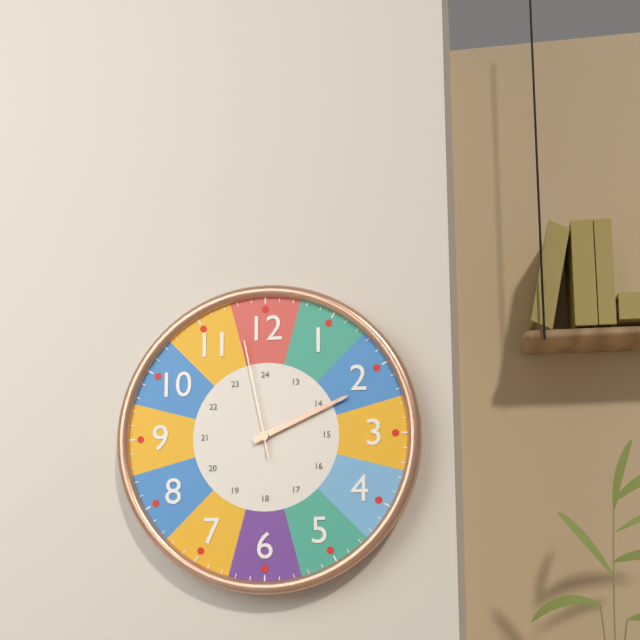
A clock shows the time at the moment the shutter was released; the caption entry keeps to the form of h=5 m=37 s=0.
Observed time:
h=2 m=11 s=58
